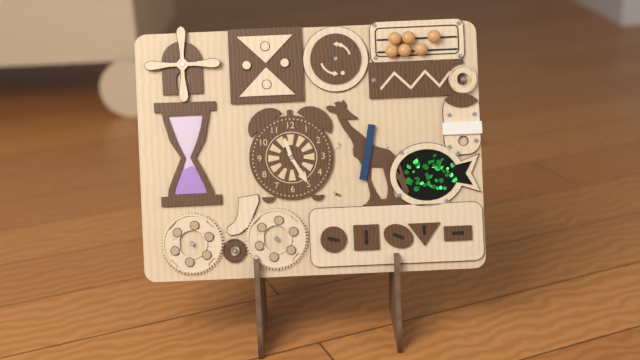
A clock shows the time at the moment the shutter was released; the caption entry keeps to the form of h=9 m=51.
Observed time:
h=11 m=25
